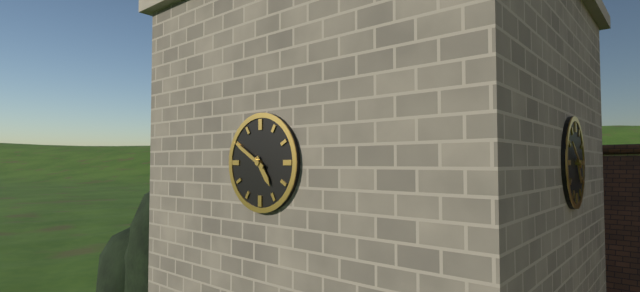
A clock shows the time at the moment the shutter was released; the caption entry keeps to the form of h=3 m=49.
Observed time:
h=4 m=50
